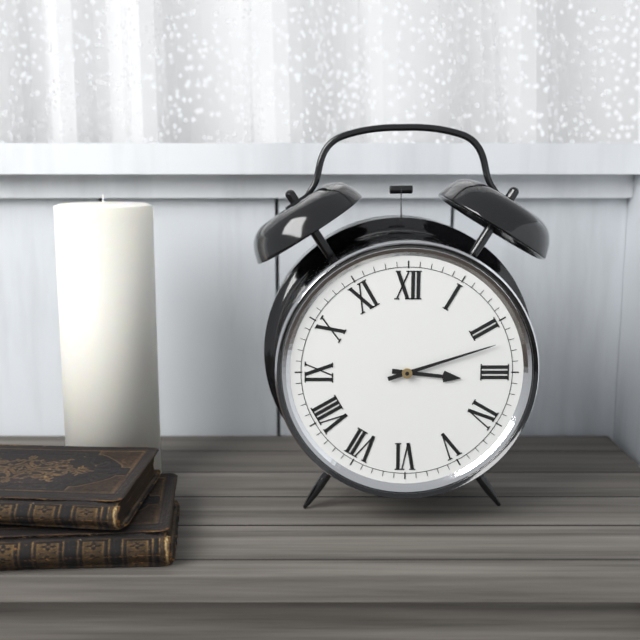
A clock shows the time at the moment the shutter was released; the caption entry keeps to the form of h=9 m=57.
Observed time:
h=3 m=12
